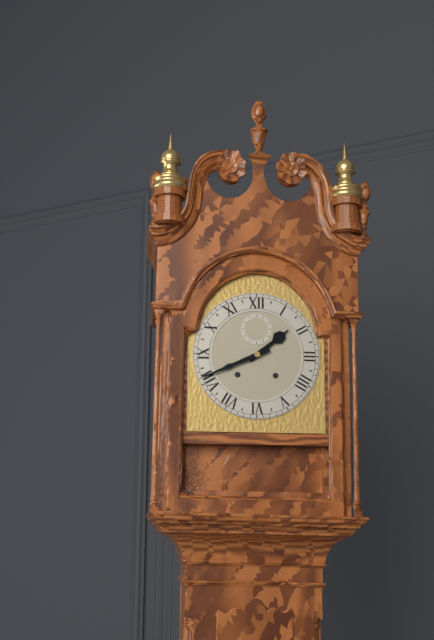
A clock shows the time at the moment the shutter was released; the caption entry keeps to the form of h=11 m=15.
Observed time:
h=1 m=41
